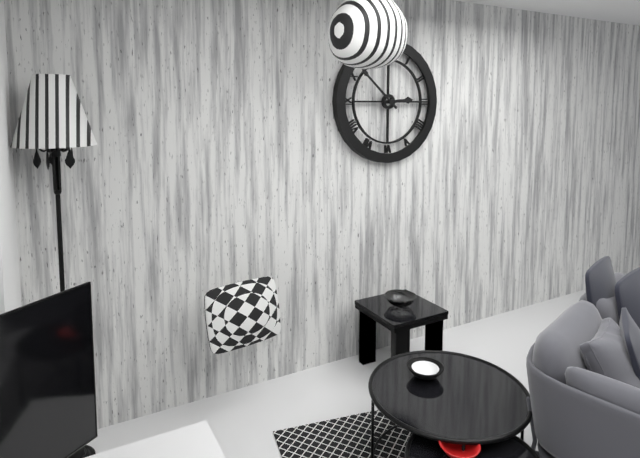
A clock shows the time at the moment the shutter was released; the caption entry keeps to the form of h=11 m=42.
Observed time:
h=2 m=52
